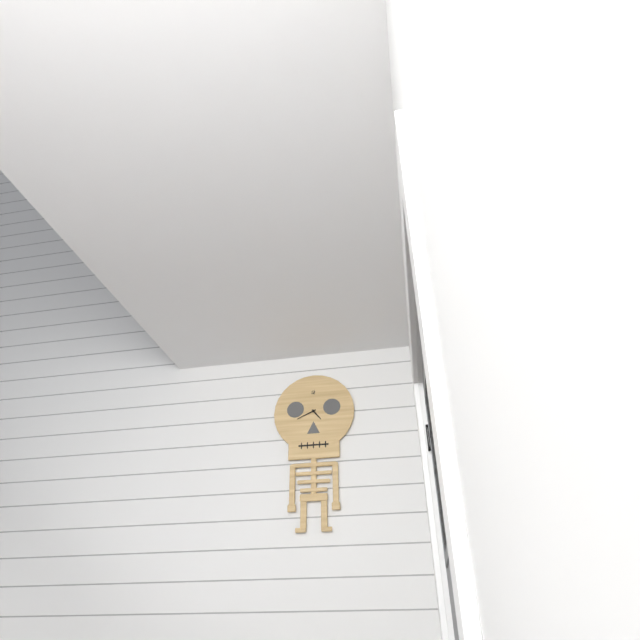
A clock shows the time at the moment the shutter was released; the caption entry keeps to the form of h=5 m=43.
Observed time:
h=4 m=41
